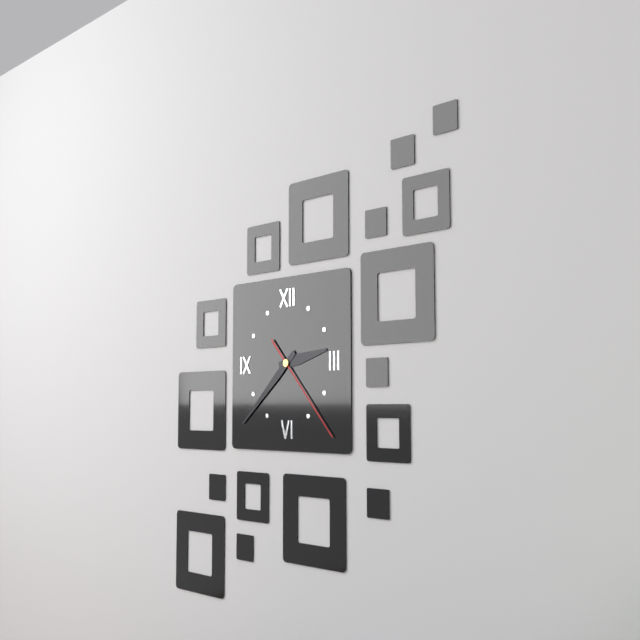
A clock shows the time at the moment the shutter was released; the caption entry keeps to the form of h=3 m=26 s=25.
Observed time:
h=2 m=38 s=23
